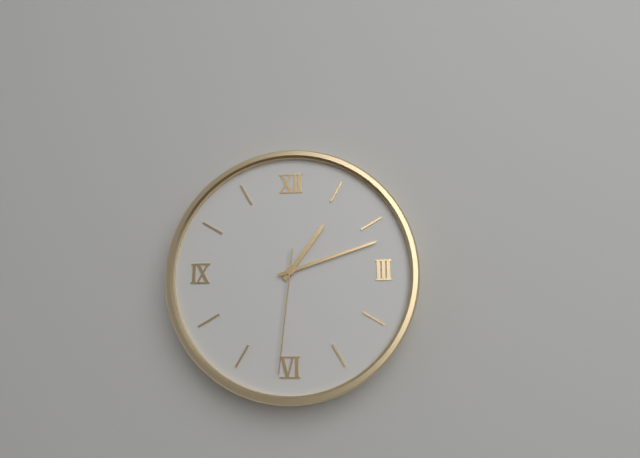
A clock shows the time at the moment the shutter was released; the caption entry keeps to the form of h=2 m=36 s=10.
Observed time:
h=1 m=12 s=31
